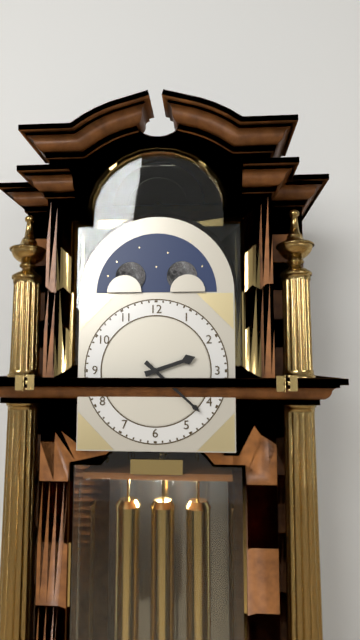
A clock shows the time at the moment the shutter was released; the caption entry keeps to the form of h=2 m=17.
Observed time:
h=2 m=22
